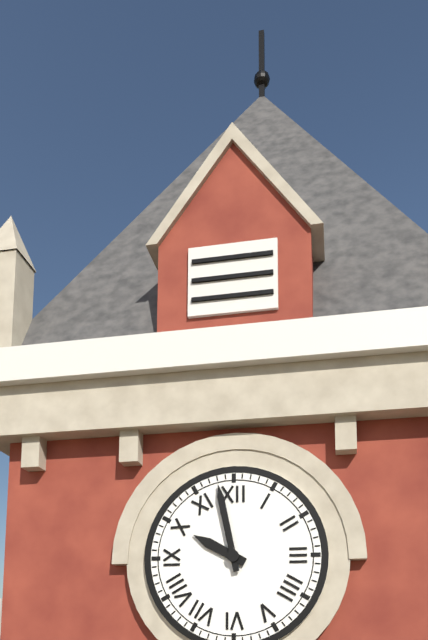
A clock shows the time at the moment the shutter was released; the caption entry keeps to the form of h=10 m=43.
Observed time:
h=9 m=58
